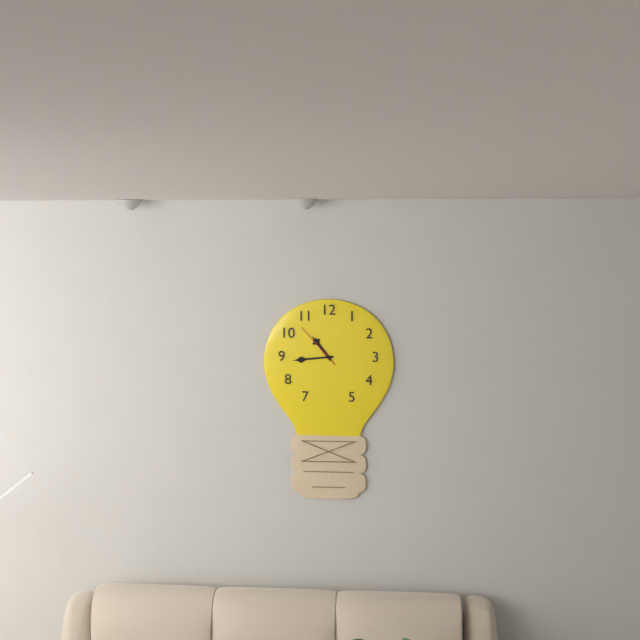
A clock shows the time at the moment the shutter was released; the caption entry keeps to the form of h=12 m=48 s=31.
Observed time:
h=10 m=44 s=53
